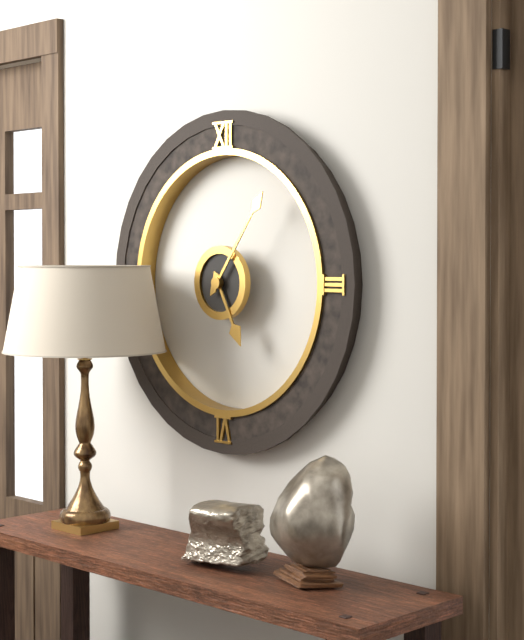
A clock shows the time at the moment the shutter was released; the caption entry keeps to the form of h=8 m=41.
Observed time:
h=5 m=6
